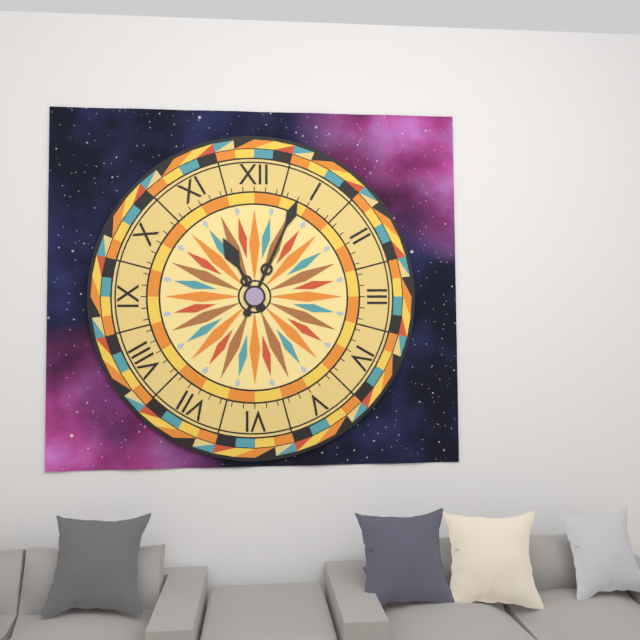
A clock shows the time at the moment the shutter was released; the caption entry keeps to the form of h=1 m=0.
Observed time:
h=11 m=4
